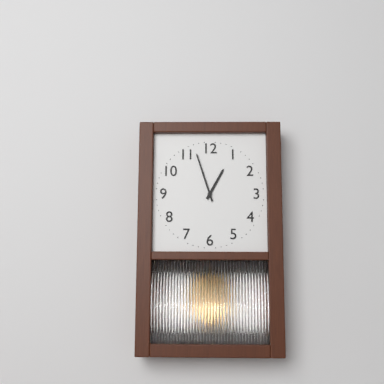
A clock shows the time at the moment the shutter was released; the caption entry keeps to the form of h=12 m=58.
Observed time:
h=12 m=57
